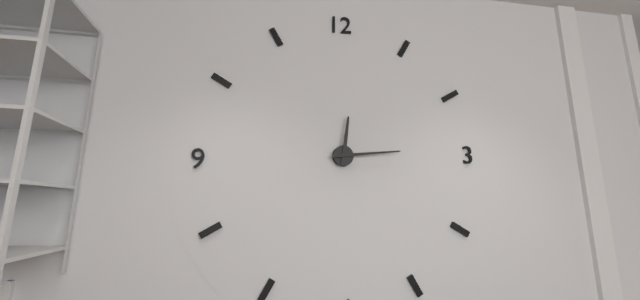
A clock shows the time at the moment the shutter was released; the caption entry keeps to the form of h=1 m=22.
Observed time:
h=12 m=14
